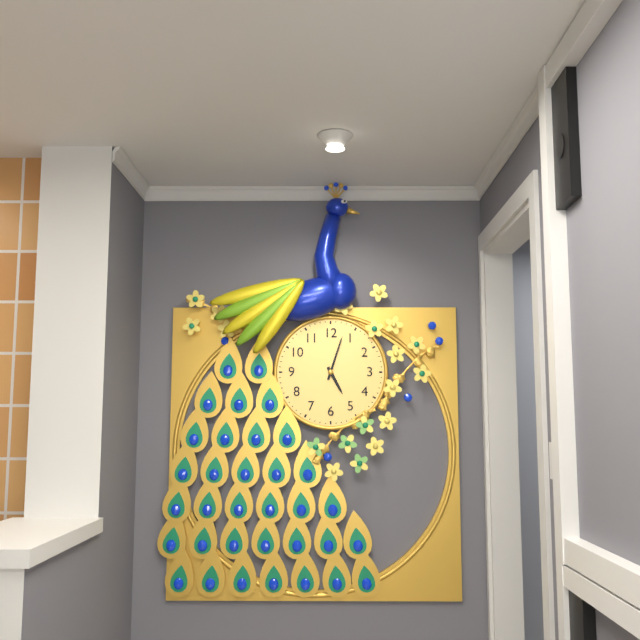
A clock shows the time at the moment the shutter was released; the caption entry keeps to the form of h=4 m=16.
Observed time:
h=5 m=3
